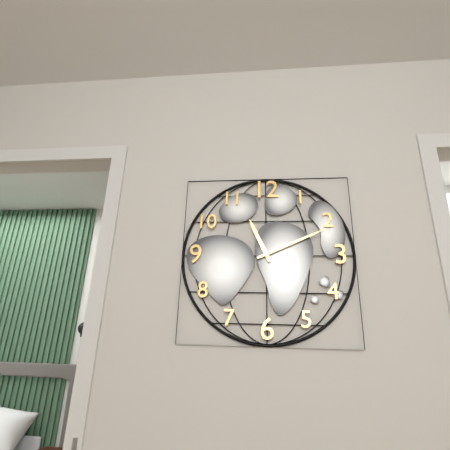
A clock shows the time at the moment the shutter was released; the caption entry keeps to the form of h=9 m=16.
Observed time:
h=11 m=11
